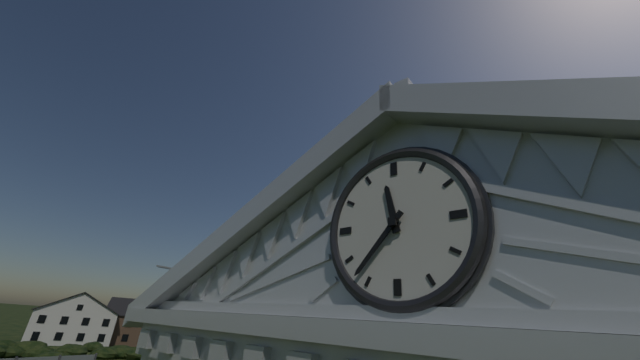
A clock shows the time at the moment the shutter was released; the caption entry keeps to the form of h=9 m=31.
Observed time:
h=11 m=37
